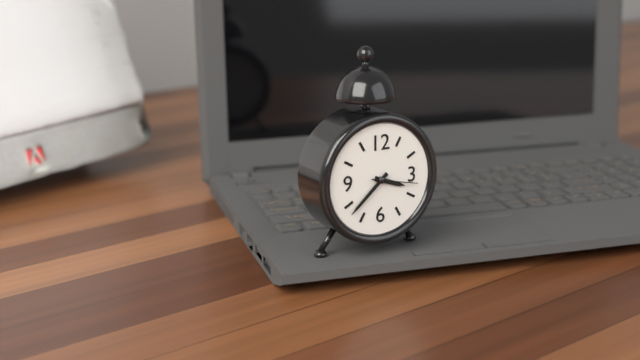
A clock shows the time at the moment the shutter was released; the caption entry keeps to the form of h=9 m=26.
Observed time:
h=3 m=38
